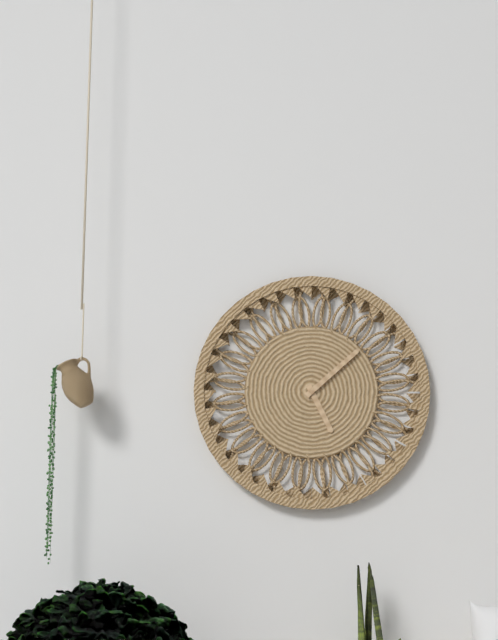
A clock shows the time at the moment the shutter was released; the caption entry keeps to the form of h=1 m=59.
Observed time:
h=5 m=8
